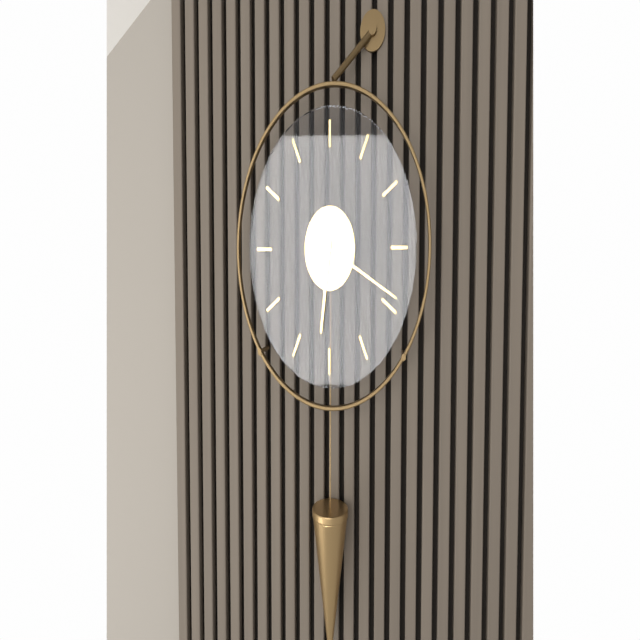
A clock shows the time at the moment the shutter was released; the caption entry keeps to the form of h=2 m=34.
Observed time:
h=6 m=19
